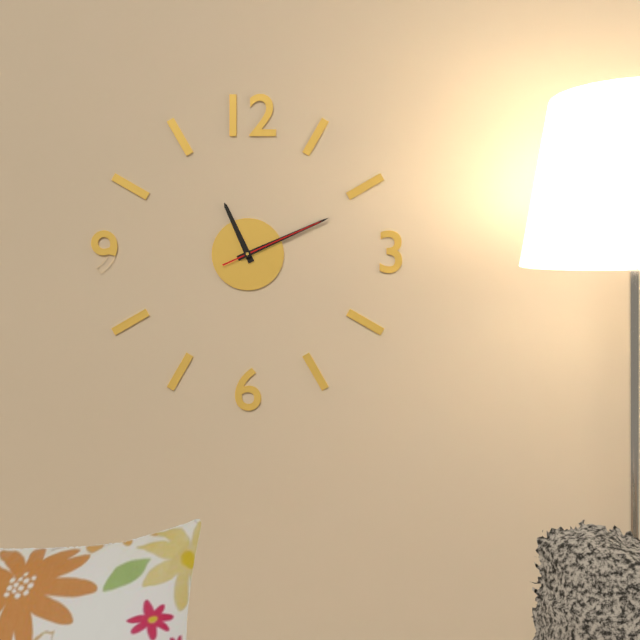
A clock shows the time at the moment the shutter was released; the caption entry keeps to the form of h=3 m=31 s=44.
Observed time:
h=11 m=11 s=11
